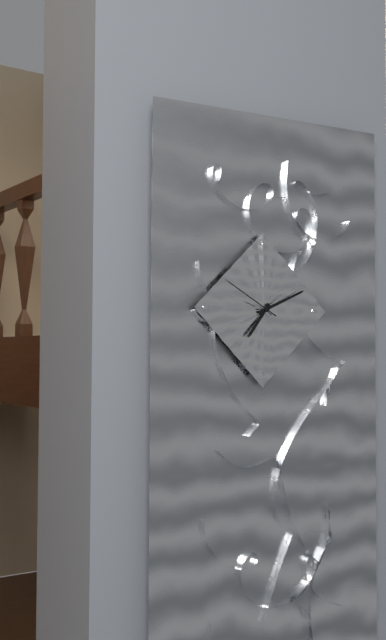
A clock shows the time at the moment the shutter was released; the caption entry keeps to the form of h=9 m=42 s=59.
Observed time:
h=7 m=11 s=50
